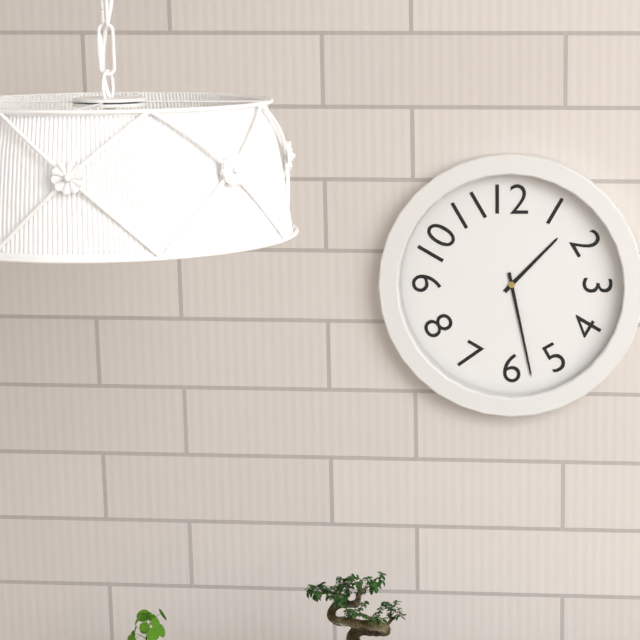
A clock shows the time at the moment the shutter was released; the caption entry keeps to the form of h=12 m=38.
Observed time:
h=1 m=28
